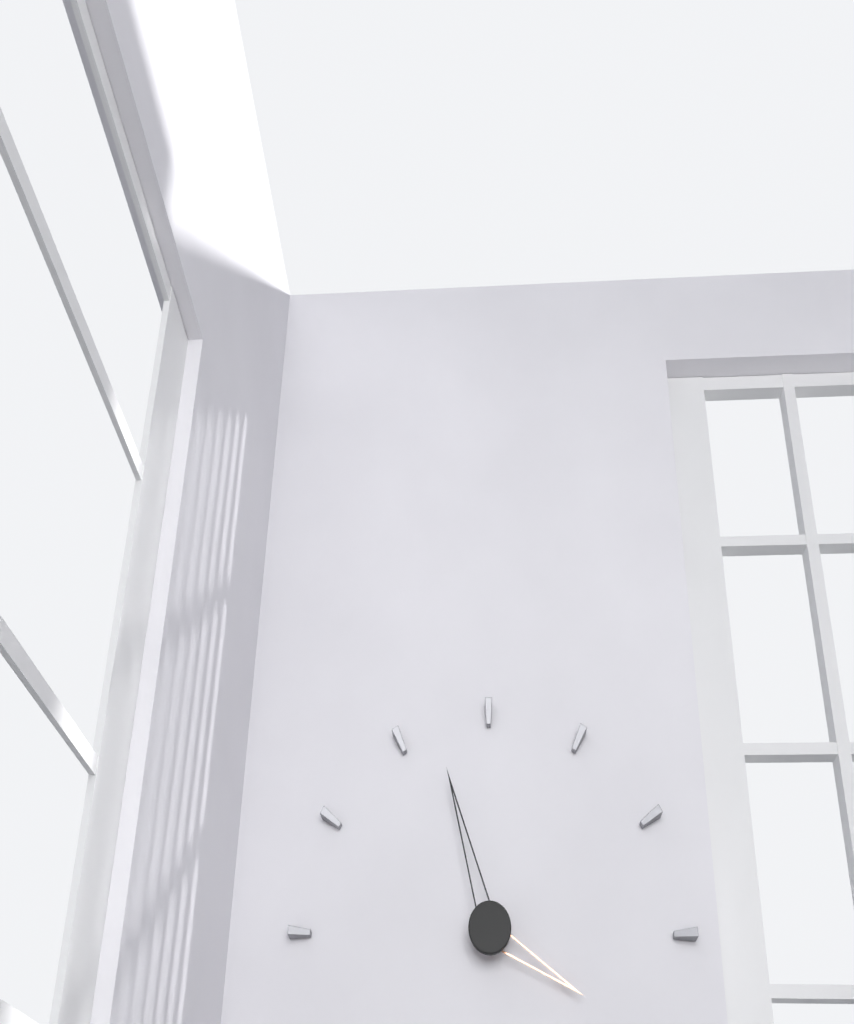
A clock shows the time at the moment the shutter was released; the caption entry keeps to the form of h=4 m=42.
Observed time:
h=3 m=57
